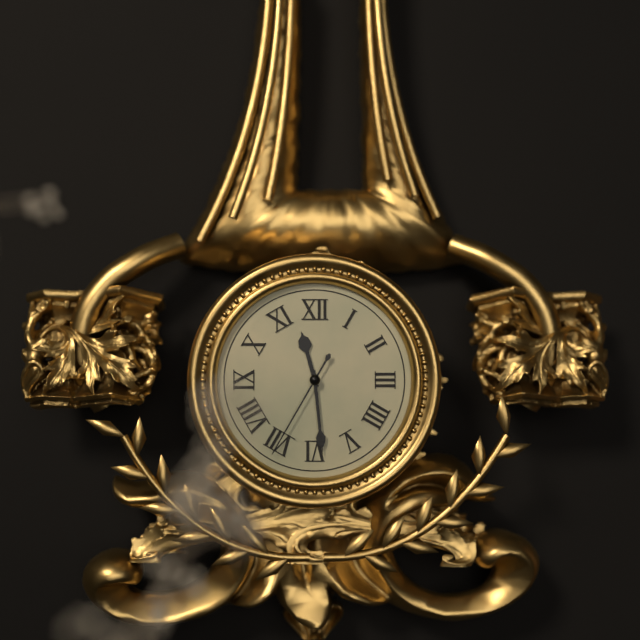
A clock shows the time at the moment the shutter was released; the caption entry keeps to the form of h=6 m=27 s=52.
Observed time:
h=11 m=29 s=35
